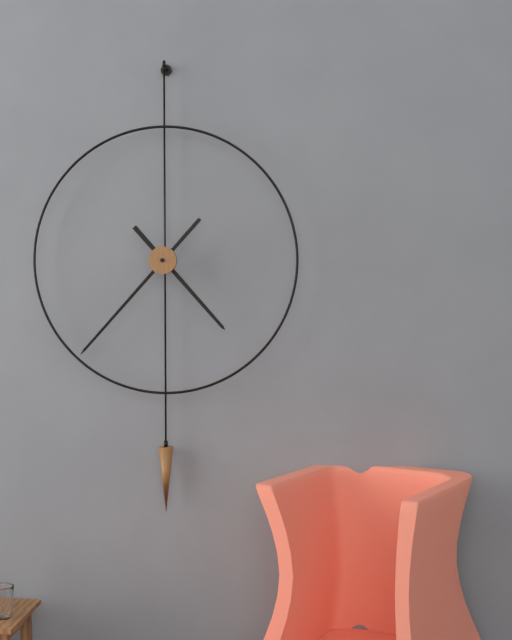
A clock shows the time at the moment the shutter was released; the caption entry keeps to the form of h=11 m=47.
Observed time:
h=4 m=37
